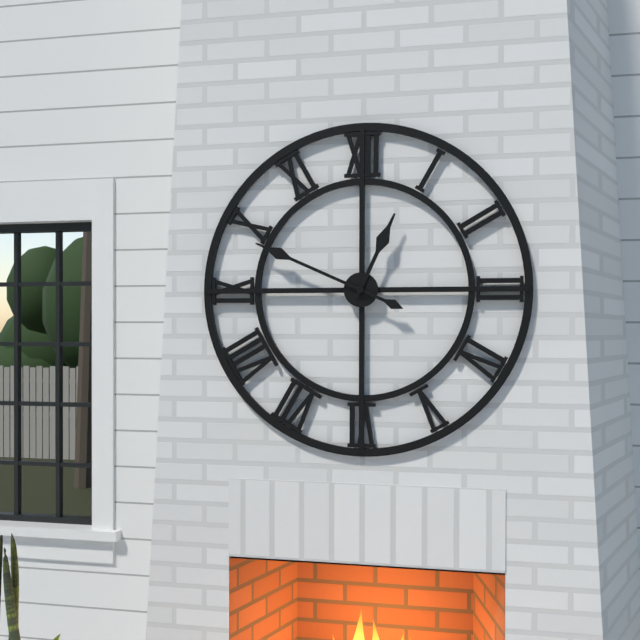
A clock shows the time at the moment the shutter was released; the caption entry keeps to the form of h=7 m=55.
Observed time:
h=12 m=49
